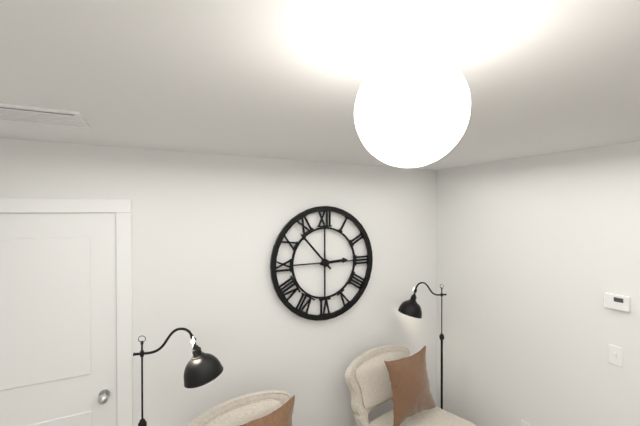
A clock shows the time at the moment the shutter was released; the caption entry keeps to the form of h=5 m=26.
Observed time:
h=2 m=53
